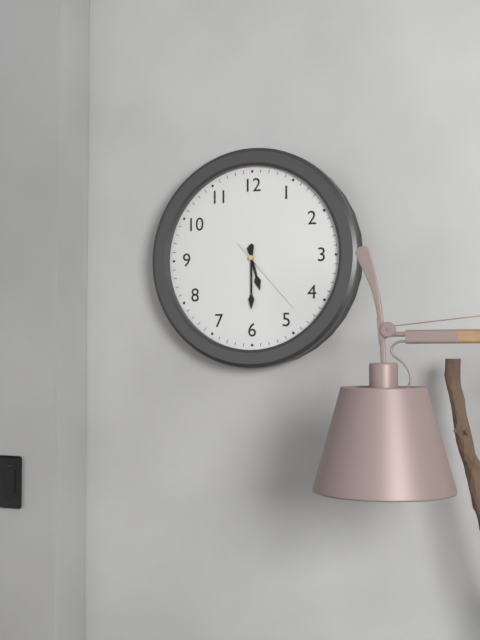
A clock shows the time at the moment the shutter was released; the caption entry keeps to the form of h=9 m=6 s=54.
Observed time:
h=5 m=30 s=23
